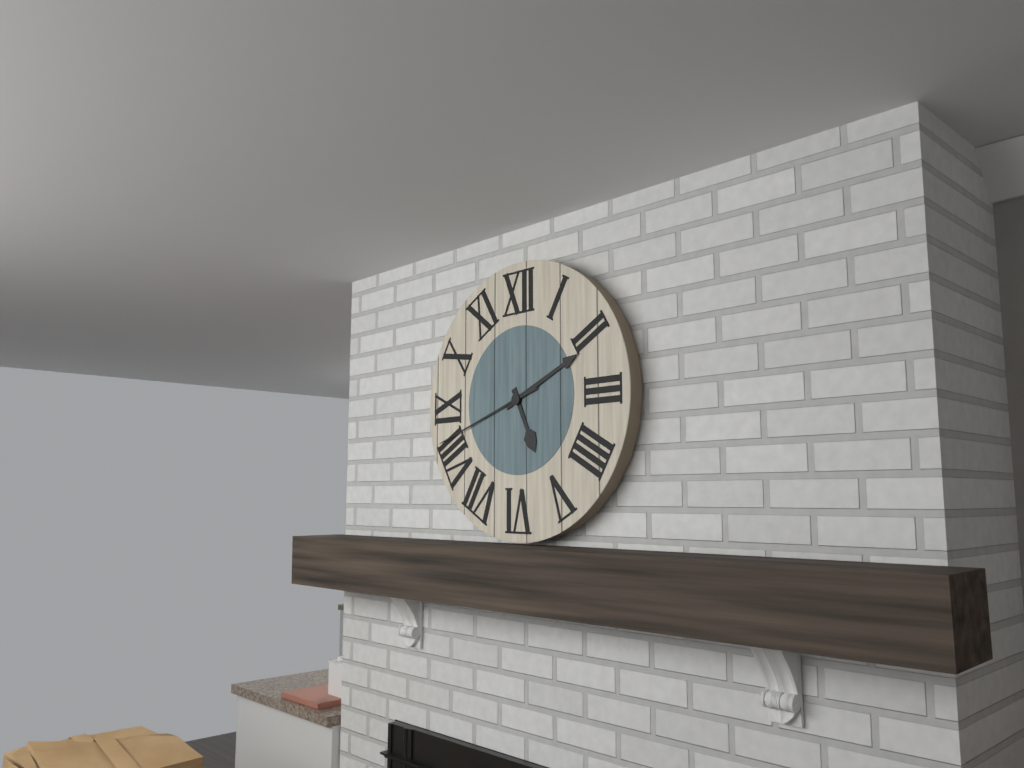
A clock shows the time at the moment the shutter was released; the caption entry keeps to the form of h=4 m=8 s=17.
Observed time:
h=5 m=11 s=42
